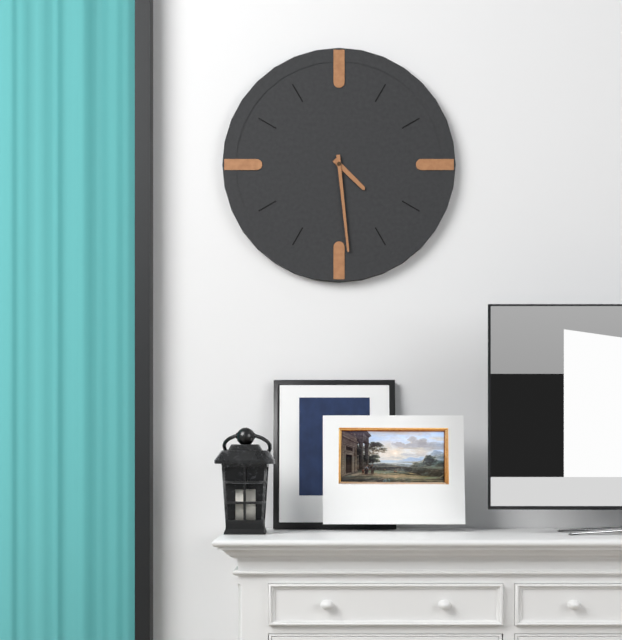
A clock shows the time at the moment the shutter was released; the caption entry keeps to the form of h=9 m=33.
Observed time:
h=4 m=29
